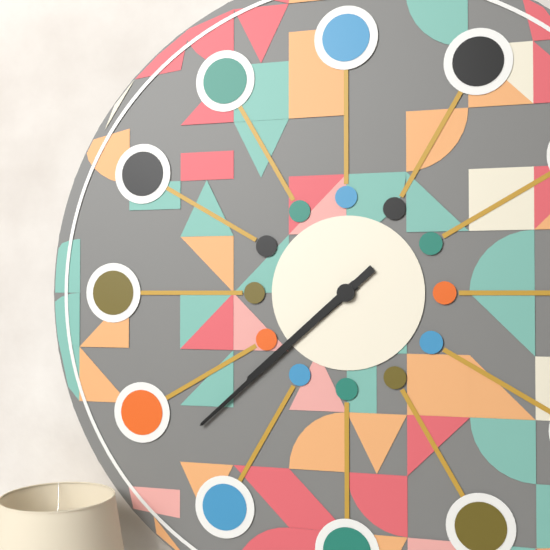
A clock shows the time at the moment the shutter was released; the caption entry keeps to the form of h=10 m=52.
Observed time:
h=7 m=38
